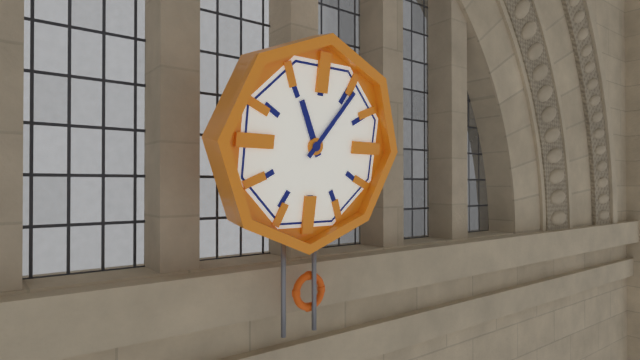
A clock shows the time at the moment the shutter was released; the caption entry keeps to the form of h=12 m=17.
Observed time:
h=11 m=6
